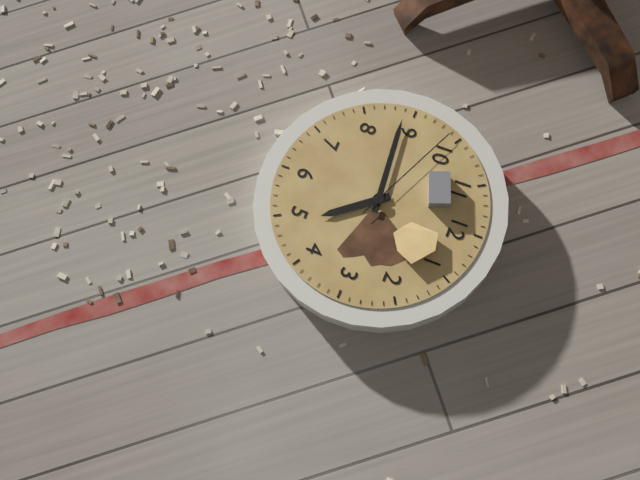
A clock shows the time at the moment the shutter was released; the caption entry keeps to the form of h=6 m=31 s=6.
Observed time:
h=4 m=44 s=49
